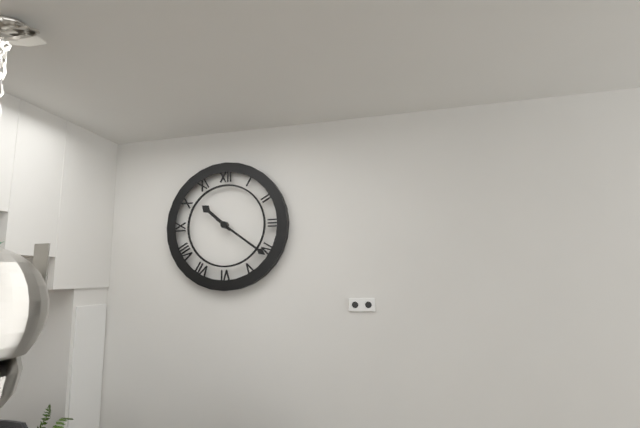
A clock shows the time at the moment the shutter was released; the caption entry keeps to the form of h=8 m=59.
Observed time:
h=10 m=21
